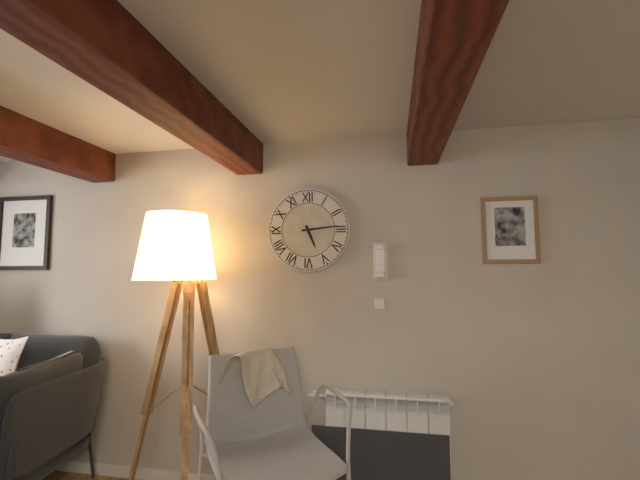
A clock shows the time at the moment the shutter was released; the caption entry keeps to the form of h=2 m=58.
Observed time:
h=5 m=14
